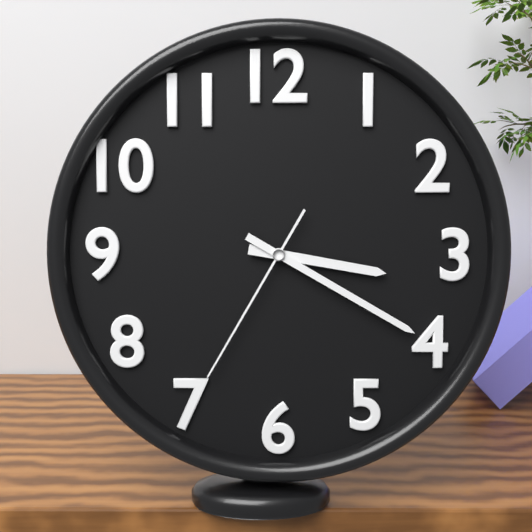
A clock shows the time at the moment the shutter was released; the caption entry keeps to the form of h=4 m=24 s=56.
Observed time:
h=3 m=20 s=35
